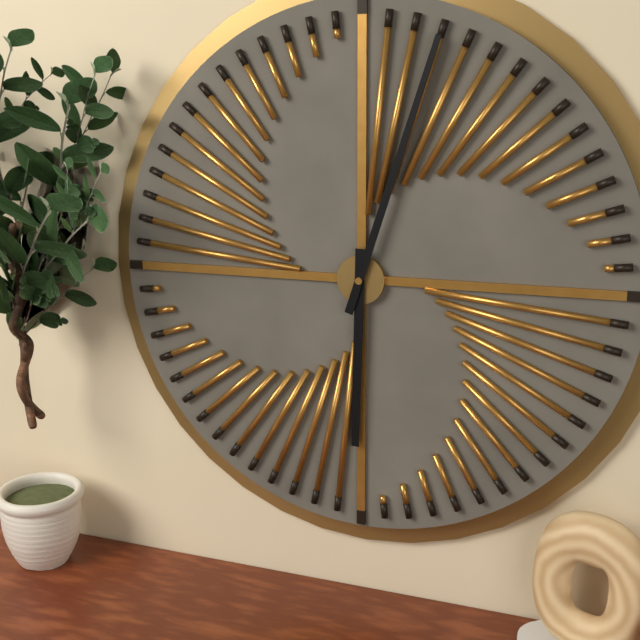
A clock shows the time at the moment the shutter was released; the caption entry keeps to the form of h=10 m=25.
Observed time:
h=6 m=3
